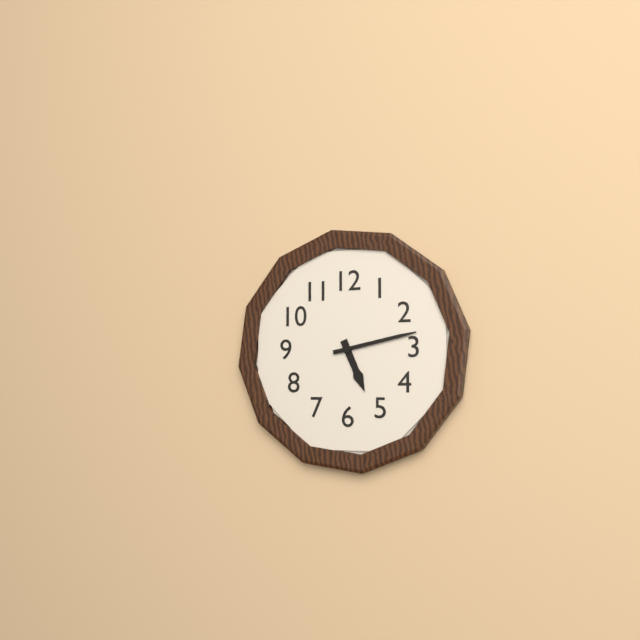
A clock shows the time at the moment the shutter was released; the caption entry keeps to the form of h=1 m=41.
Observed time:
h=5 m=13
